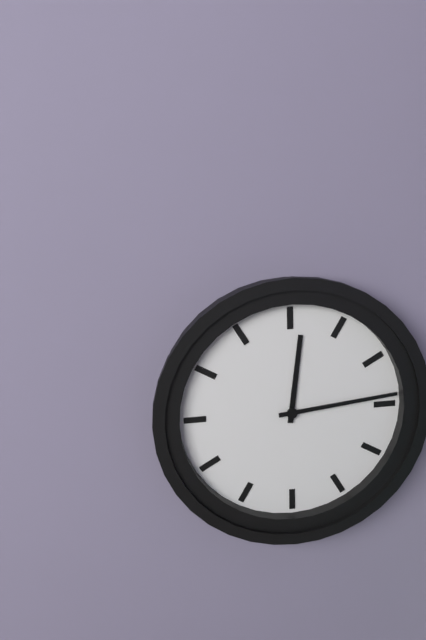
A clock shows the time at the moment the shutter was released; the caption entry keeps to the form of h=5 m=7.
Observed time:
h=12 m=14
